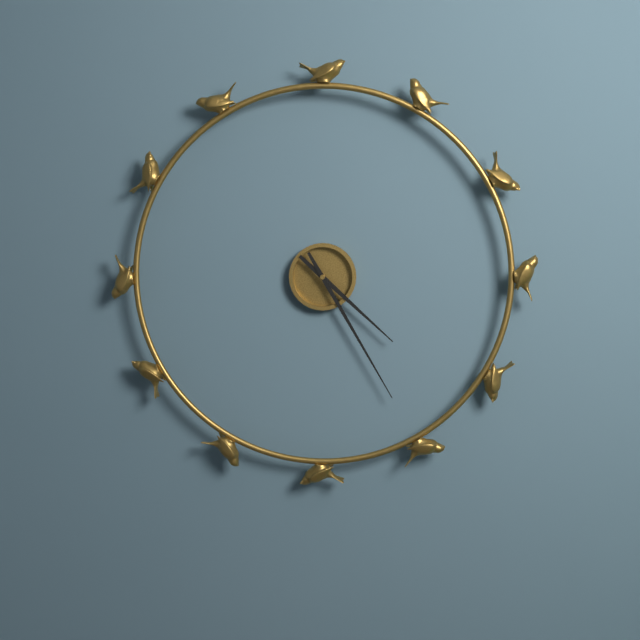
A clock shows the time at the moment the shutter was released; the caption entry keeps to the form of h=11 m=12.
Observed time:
h=4 m=25
